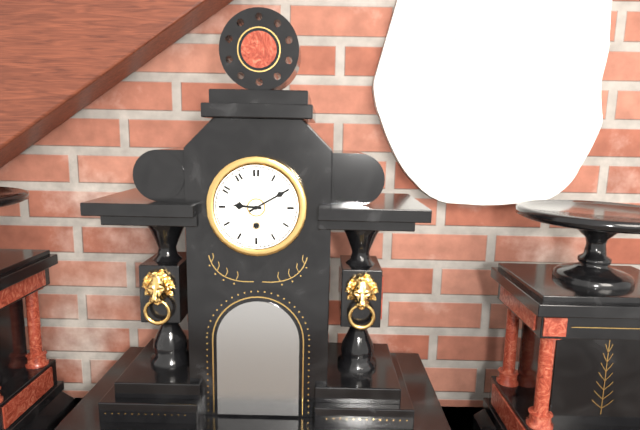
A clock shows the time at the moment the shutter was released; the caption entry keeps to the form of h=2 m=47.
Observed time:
h=9 m=10
